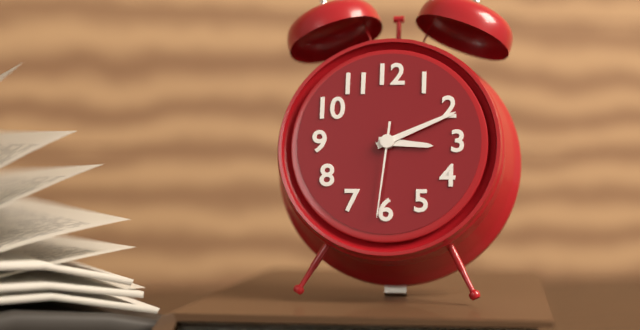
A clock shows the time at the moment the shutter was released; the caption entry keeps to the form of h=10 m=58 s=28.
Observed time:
h=3 m=11 s=31
